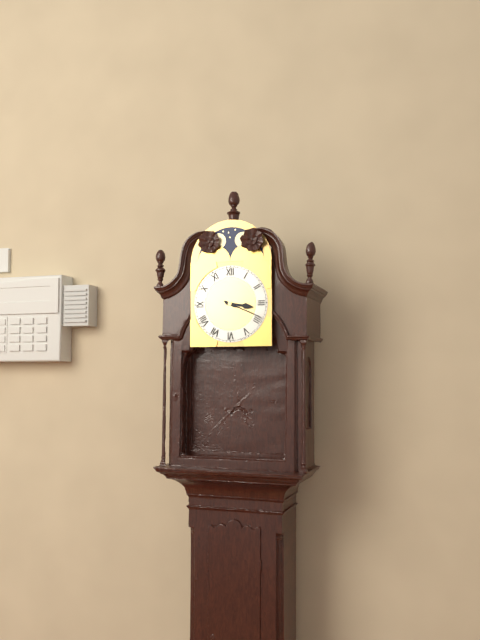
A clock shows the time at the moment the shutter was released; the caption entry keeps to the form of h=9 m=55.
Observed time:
h=3 m=19
